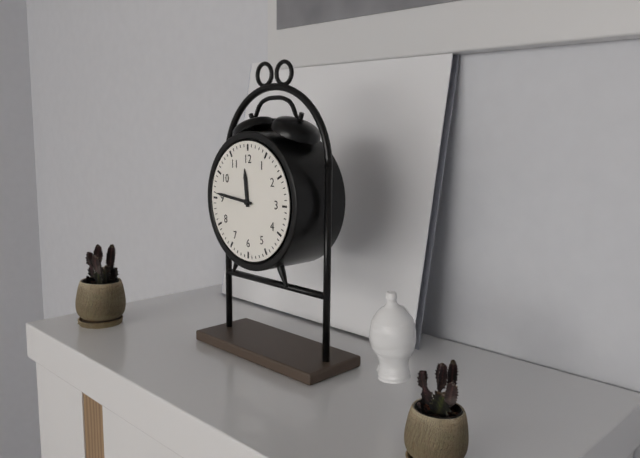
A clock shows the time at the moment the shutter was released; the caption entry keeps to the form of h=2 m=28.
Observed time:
h=11 m=46
